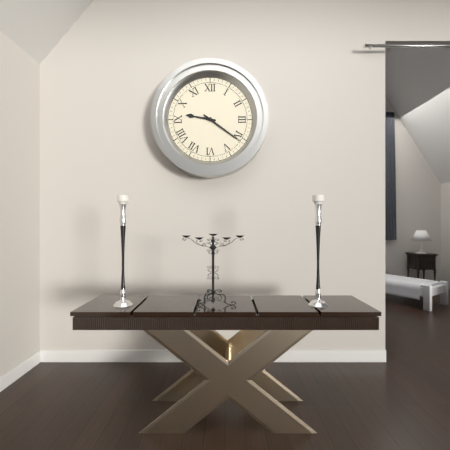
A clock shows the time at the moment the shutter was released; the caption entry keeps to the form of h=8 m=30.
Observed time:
h=9 m=21
